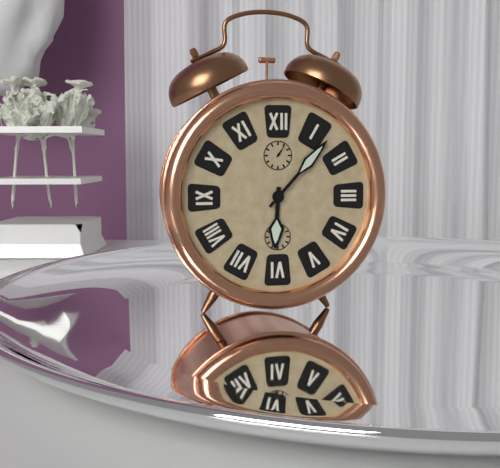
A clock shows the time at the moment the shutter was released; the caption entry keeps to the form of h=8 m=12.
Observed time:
h=6 m=7
